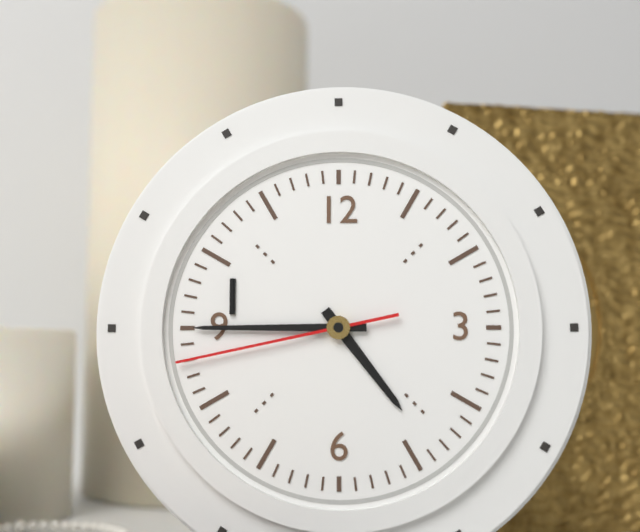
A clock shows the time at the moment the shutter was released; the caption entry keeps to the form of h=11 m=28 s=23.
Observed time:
h=4 m=45 s=43
